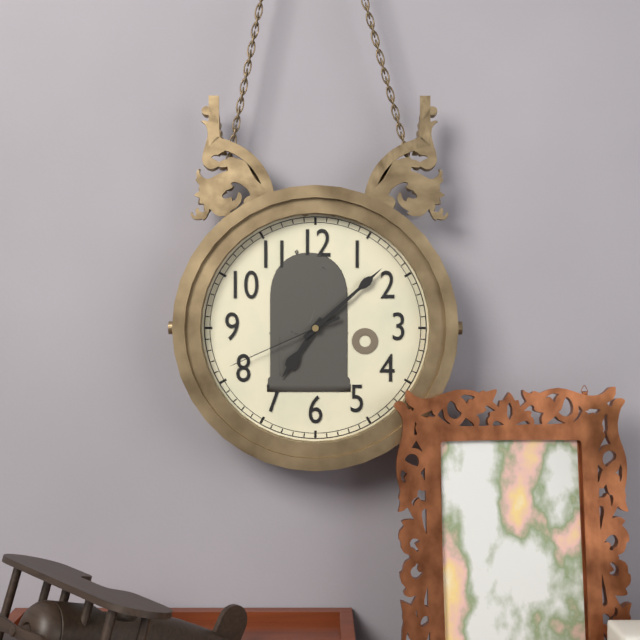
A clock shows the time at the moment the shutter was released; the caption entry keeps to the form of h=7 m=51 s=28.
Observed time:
h=7 m=8 s=41
